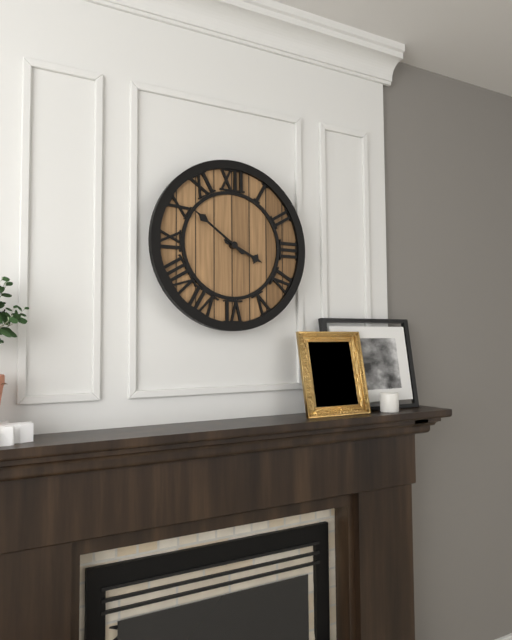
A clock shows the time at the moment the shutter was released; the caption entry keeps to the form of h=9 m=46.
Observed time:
h=3 m=51
